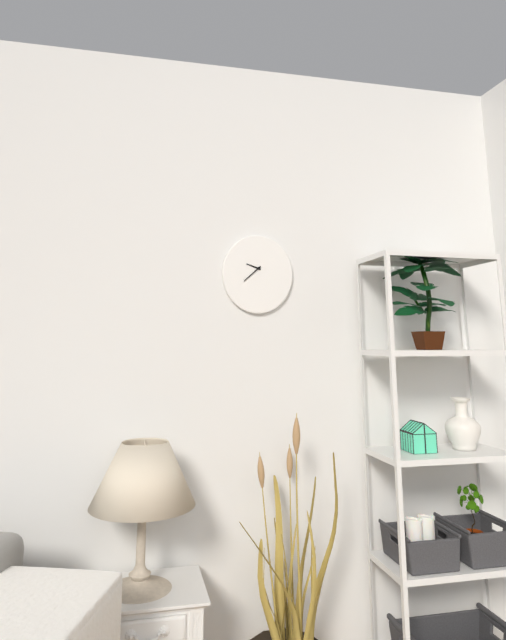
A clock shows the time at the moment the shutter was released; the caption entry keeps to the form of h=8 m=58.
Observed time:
h=9 m=38
